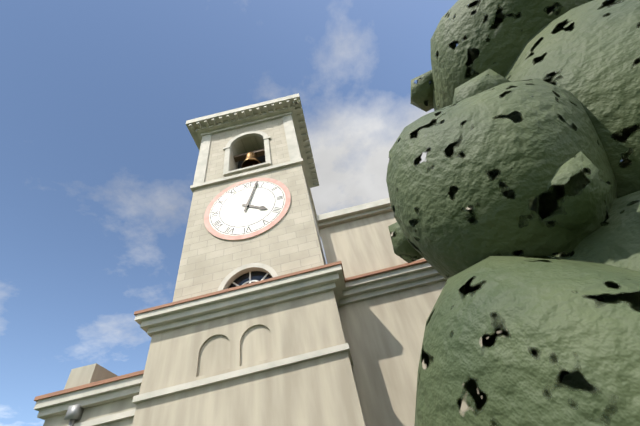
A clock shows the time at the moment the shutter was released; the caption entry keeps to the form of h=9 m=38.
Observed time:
h=4 m=3
